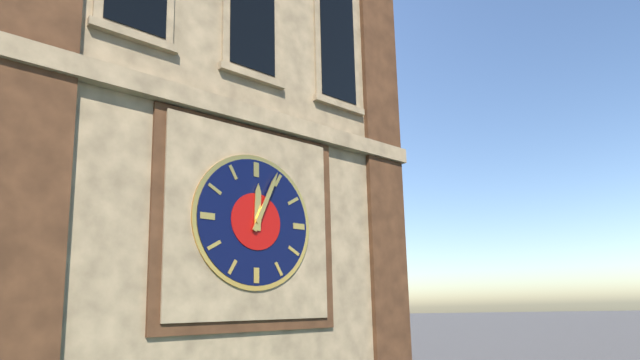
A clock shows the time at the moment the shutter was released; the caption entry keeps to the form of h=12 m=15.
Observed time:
h=12 m=4
